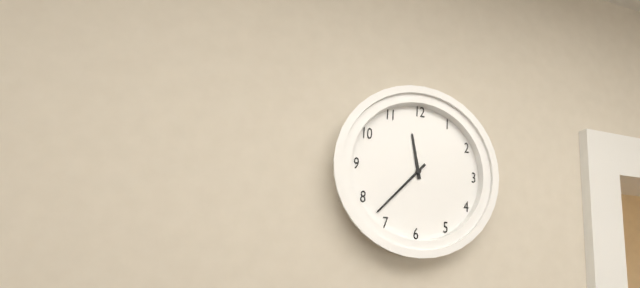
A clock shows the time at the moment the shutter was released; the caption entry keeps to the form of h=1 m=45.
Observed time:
h=11 m=37
